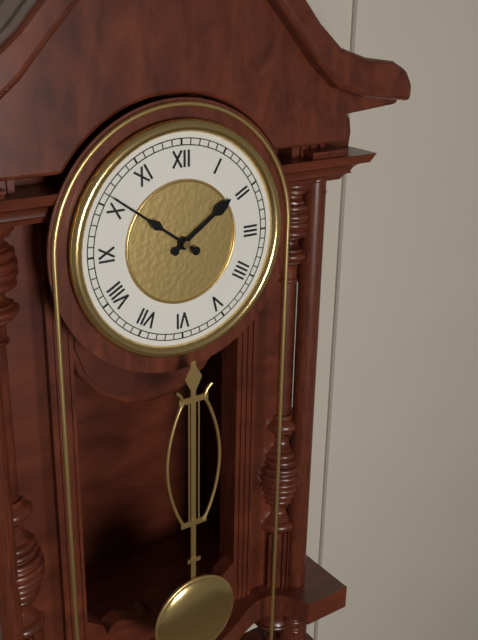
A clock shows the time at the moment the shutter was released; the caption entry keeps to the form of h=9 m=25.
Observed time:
h=1 m=51
